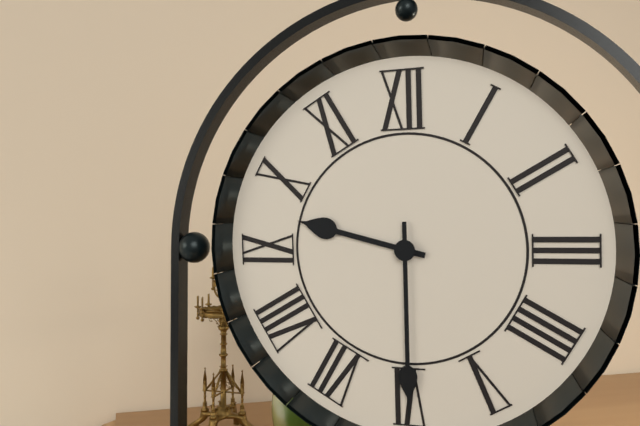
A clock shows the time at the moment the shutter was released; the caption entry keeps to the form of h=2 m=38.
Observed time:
h=9 m=30
